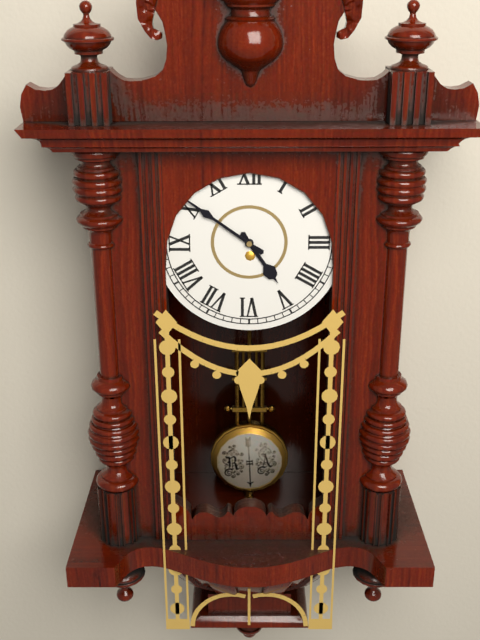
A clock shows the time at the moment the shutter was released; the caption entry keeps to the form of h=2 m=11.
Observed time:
h=4 m=51
